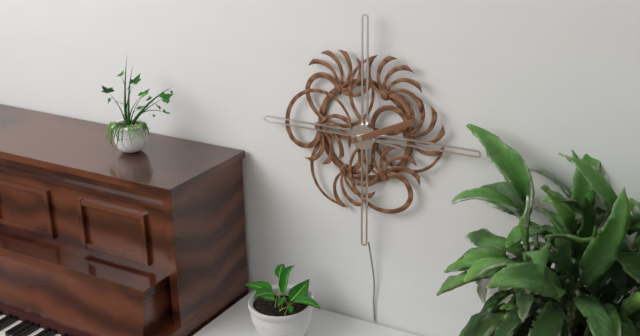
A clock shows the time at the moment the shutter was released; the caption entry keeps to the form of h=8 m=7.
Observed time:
h=3 m=11
